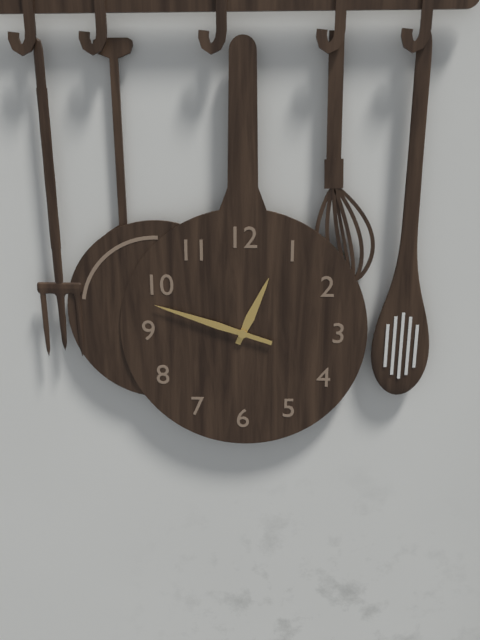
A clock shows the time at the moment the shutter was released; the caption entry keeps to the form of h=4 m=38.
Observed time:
h=12 m=48
